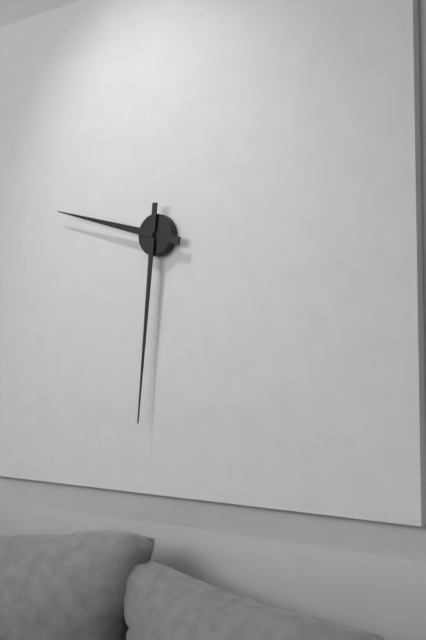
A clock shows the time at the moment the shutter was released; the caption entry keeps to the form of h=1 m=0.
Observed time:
h=9 m=31
